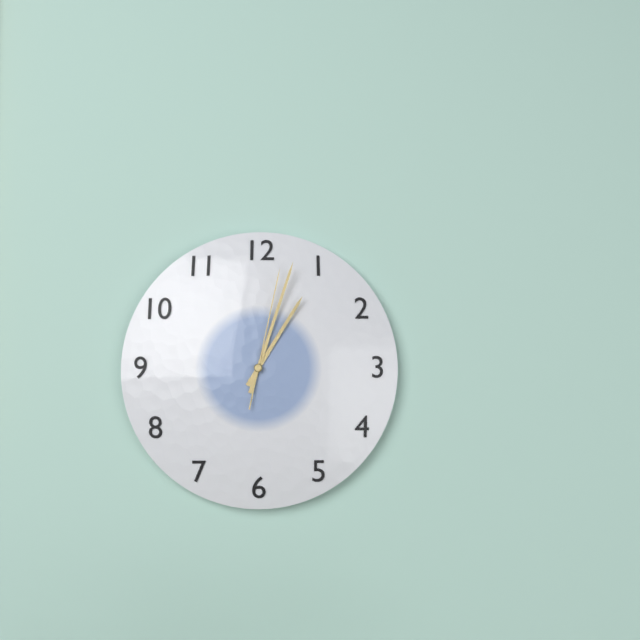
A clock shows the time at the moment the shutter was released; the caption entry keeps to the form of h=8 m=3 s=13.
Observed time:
h=1 m=3 s=2
